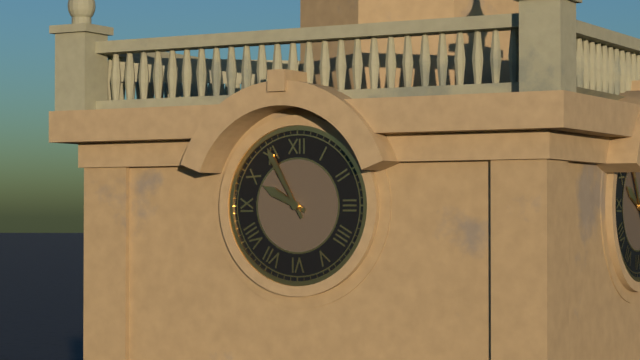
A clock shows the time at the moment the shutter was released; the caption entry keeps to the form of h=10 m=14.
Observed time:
h=9 m=55
